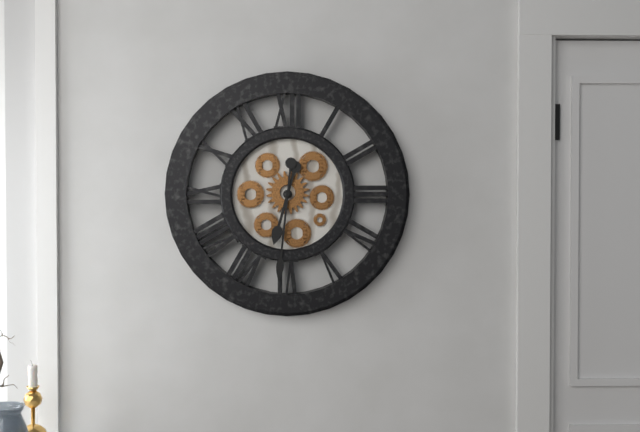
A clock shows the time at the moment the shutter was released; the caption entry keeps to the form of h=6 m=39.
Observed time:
h=6 m=31
